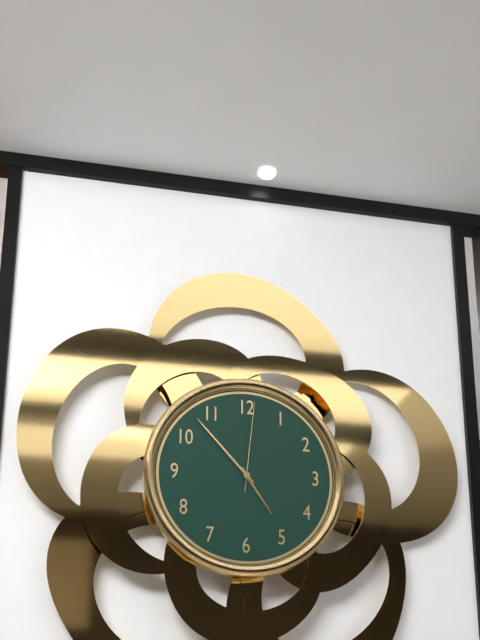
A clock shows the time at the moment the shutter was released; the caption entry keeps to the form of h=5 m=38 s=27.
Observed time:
h=4 m=53 s=1
